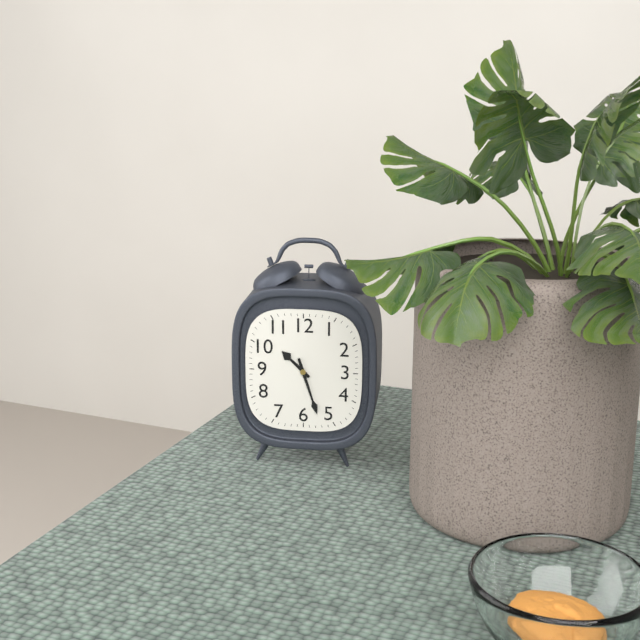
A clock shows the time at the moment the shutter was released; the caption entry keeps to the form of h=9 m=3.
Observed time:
h=10 m=27
